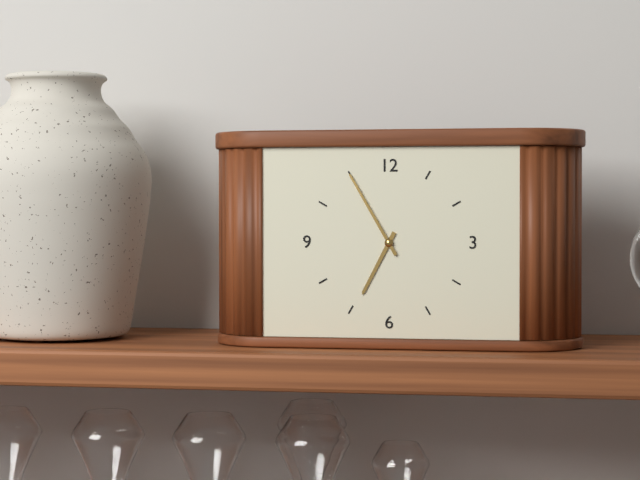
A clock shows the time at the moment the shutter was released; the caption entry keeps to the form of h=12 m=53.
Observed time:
h=6 m=55
